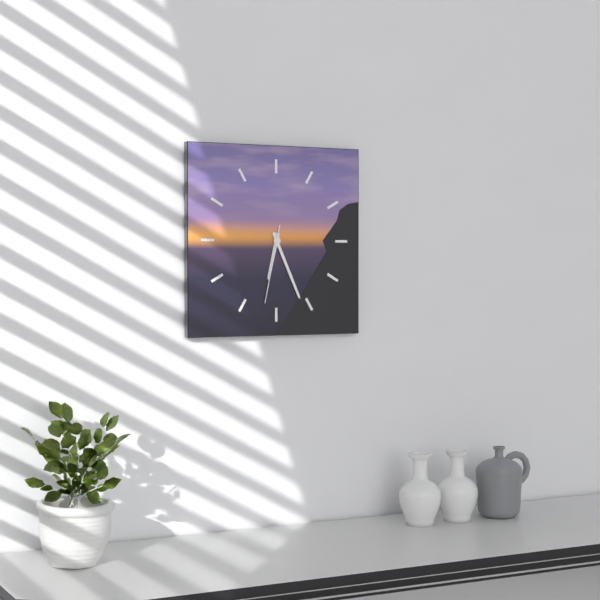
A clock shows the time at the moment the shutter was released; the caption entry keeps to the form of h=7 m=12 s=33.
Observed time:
h=6 m=26 s=32
